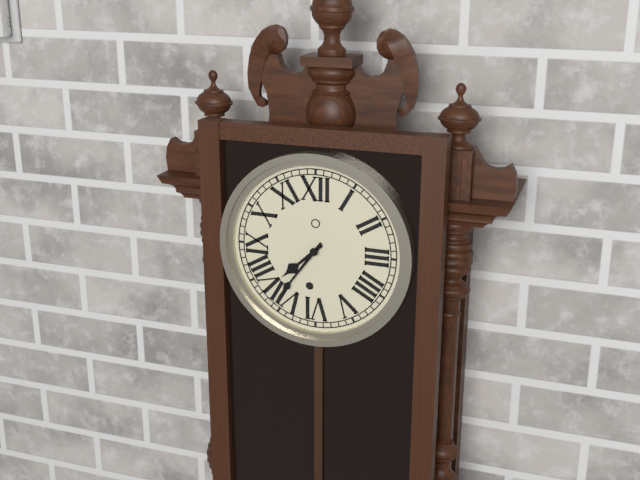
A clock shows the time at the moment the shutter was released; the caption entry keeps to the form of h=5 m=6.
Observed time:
h=7 m=36
